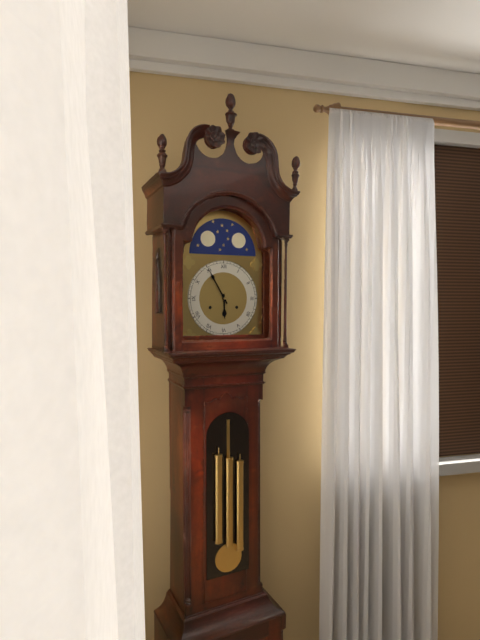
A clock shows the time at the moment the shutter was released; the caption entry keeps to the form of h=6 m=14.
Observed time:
h=5 m=55
